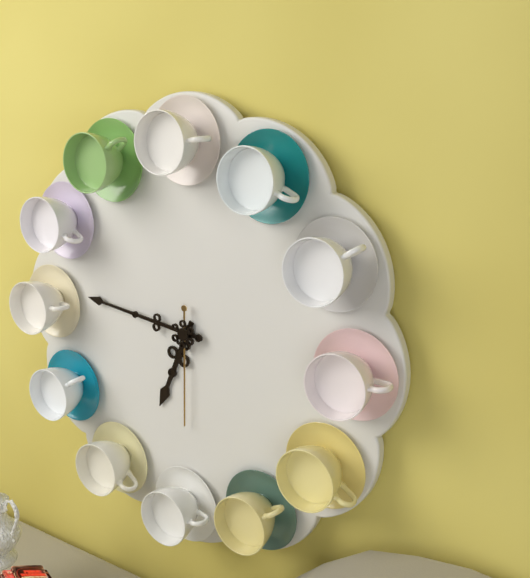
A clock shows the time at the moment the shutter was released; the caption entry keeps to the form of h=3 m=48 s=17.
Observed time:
h=6 m=46 s=30
